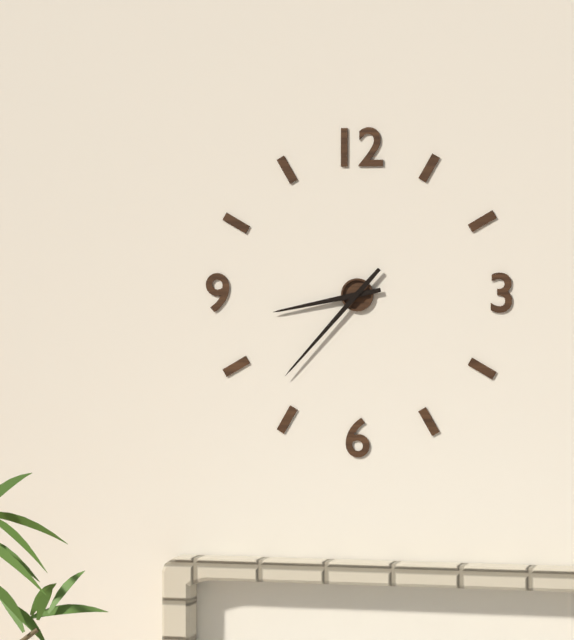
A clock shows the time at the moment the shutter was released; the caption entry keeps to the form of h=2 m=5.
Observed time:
h=8 m=37
